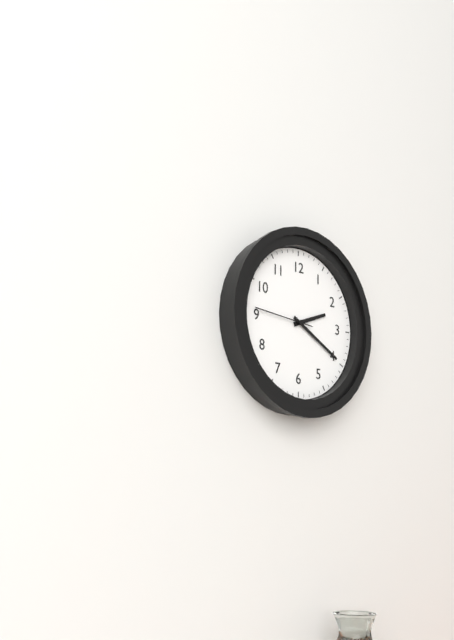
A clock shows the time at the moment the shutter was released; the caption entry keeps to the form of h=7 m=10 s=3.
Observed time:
h=2 m=20 s=46
